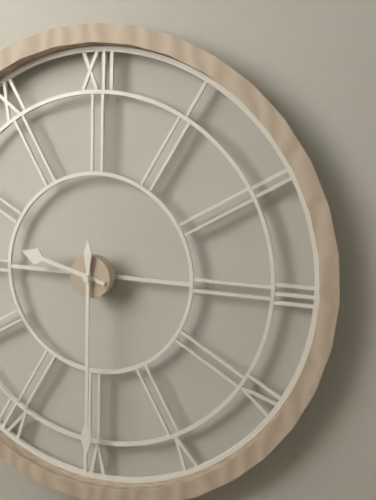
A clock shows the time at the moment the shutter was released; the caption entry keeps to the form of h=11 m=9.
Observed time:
h=9 m=30
